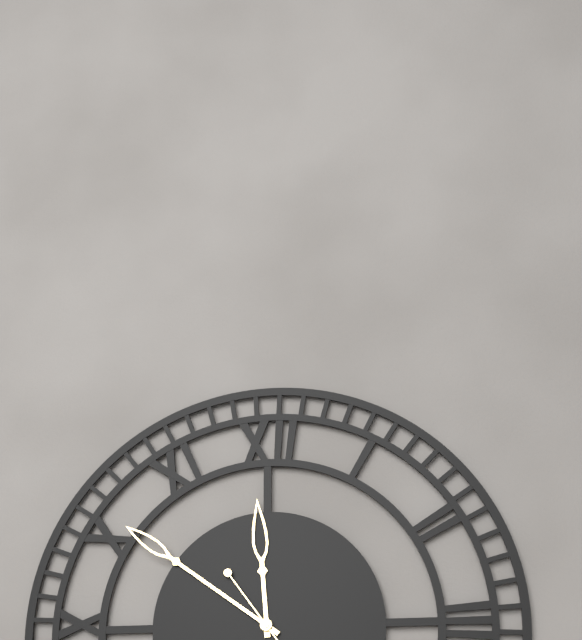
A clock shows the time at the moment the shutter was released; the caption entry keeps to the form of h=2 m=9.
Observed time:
h=11 m=51
